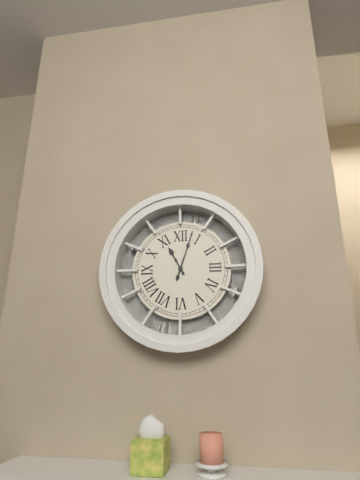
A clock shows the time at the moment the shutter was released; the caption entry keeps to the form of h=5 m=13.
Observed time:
h=11 m=3
